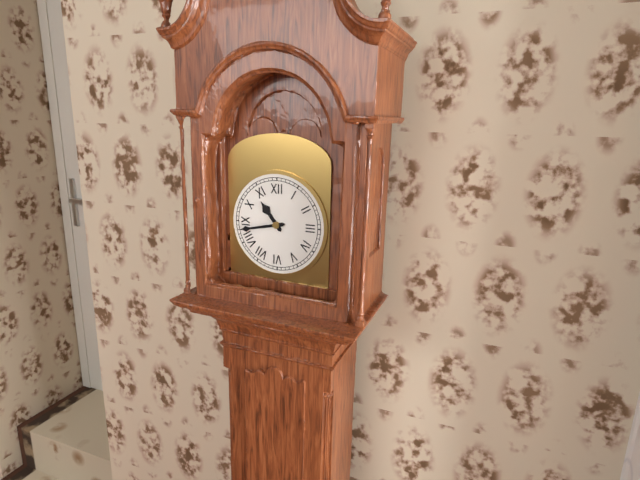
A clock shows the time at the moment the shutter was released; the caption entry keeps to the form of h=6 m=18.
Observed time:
h=10 m=43
